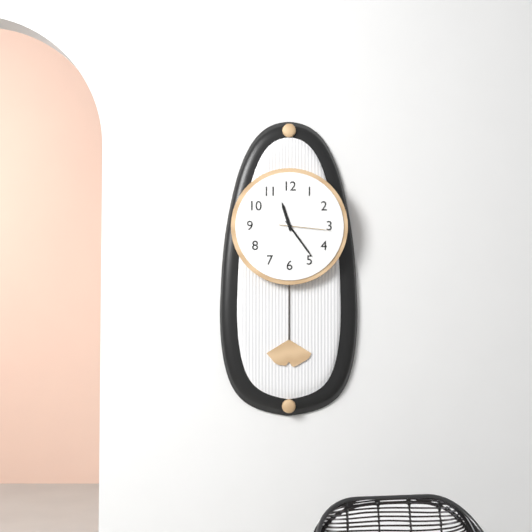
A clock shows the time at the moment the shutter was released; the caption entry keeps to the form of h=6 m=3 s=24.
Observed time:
h=11 m=24 s=16
